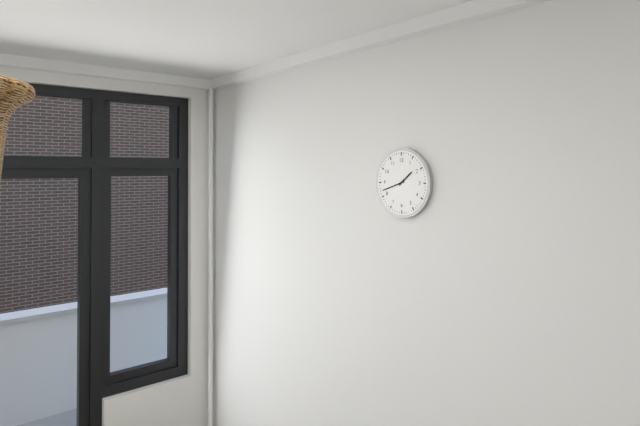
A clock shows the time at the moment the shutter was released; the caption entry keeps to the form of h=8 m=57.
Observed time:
h=1 m=42
